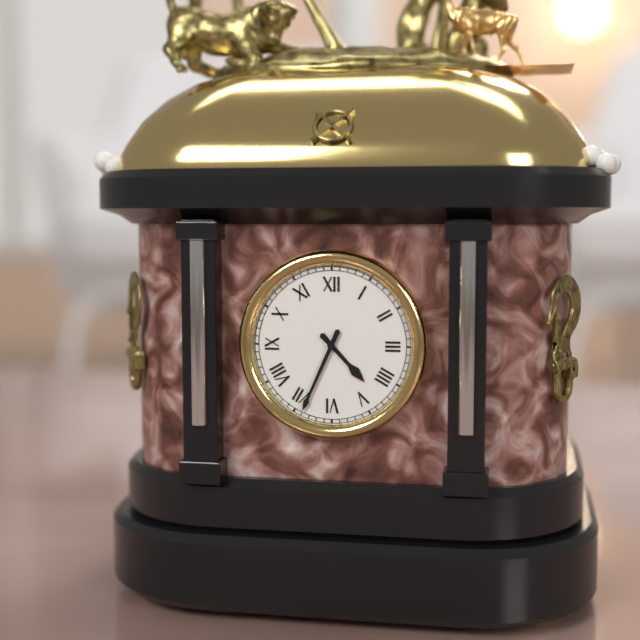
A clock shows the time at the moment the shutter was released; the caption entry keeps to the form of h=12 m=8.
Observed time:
h=4 m=34
